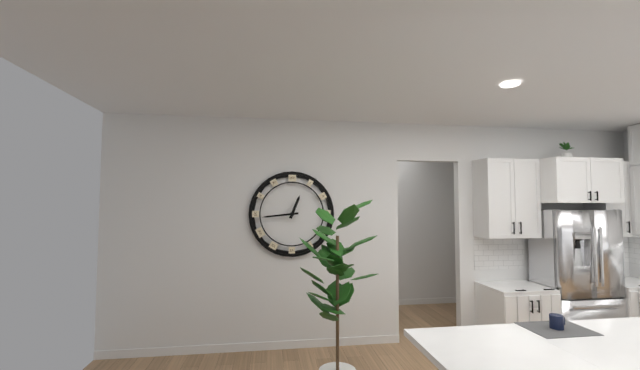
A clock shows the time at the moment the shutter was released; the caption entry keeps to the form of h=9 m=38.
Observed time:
h=12 m=44
